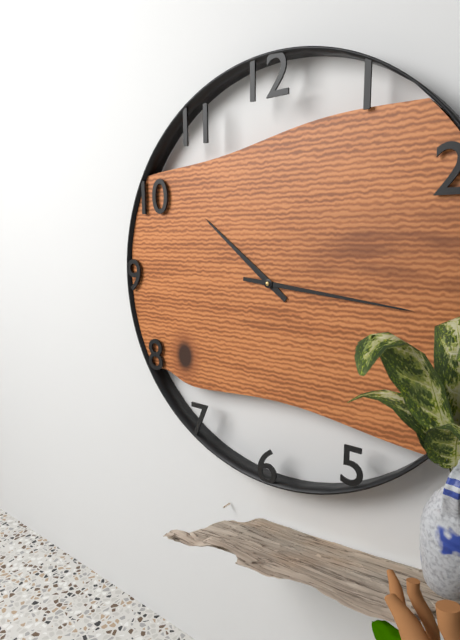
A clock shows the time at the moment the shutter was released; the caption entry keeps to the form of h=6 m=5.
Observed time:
h=10 m=16
